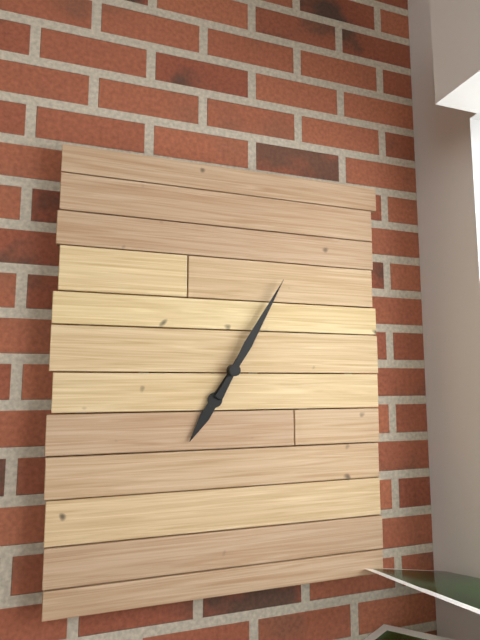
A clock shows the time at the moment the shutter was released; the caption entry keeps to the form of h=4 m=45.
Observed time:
h=7 m=5
